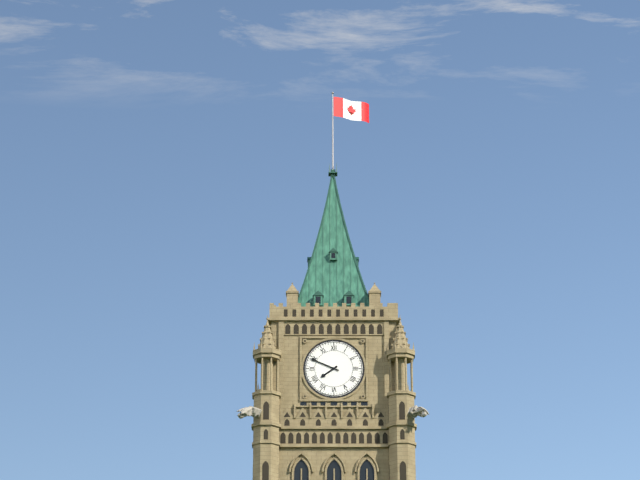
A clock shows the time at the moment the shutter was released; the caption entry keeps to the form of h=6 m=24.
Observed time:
h=7 m=49
